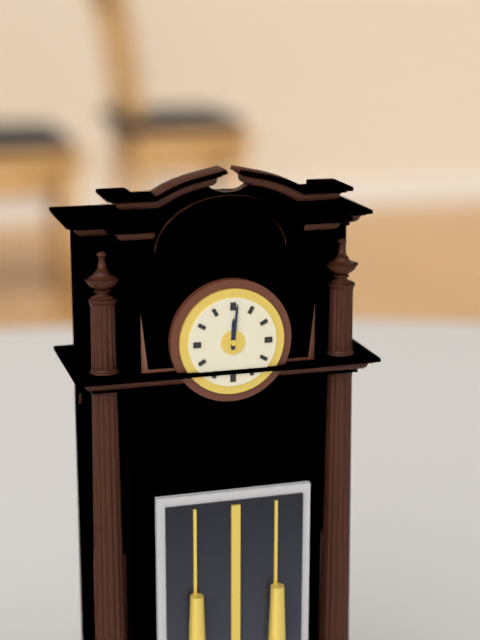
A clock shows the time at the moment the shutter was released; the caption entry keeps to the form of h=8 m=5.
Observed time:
h=12 m=1
